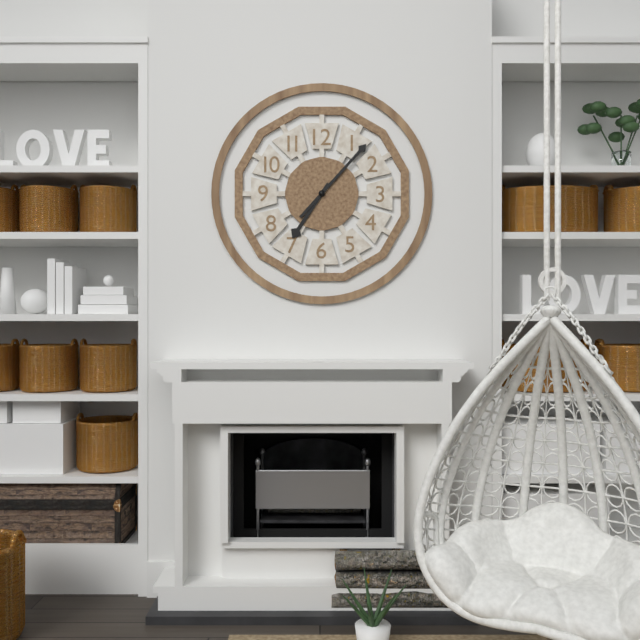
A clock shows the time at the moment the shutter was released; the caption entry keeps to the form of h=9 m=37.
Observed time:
h=7 m=7
